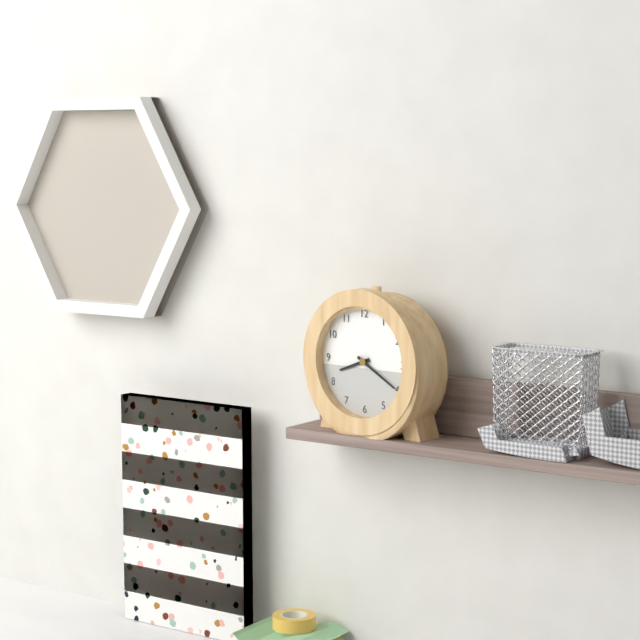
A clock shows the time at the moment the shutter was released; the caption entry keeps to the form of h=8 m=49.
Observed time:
h=8 m=20
